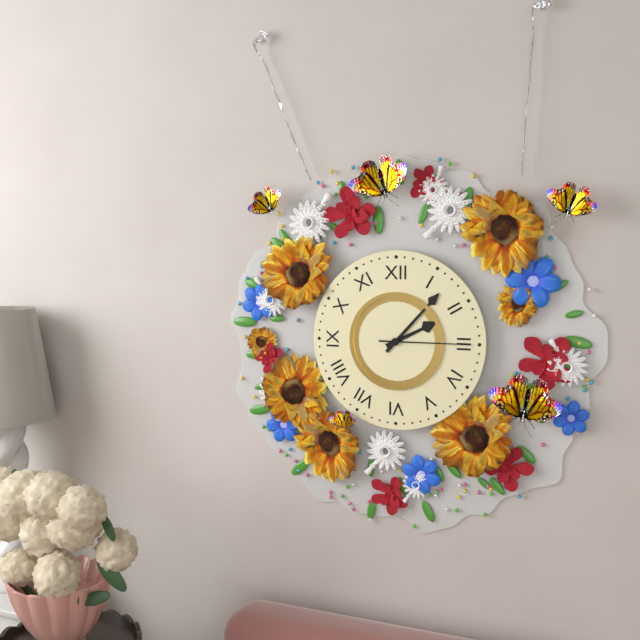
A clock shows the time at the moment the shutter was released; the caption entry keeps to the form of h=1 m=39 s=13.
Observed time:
h=2 m=7 s=15
